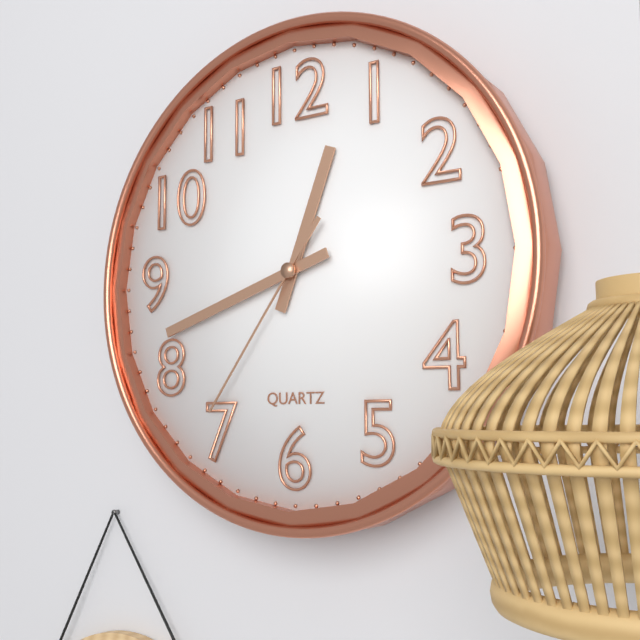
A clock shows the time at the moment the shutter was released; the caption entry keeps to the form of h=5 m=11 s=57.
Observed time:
h=12 m=42 s=36
